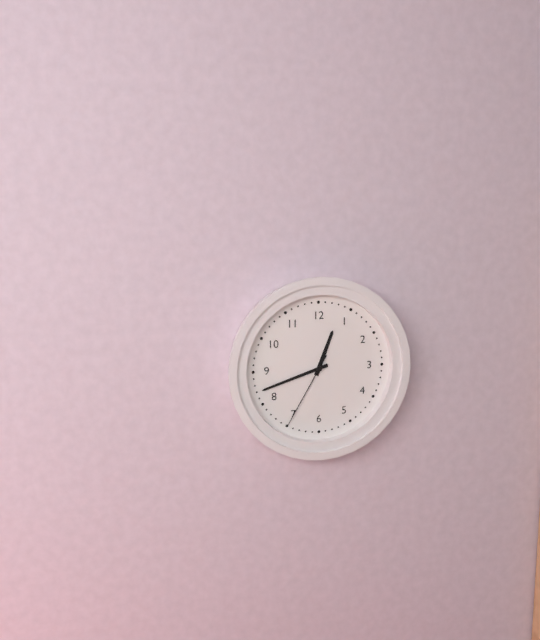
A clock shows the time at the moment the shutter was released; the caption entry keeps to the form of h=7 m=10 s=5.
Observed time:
h=12 m=42 s=35
